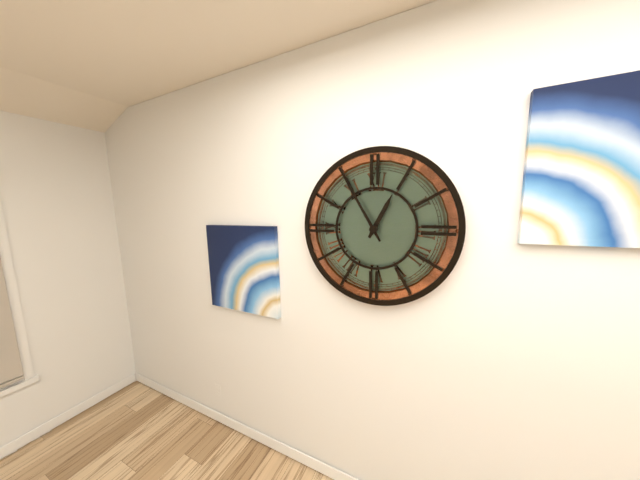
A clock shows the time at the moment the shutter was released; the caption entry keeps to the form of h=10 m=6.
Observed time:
h=12 m=55
